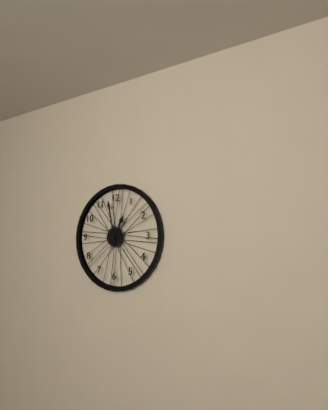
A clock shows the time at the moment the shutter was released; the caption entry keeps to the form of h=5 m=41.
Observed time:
h=12 m=58
